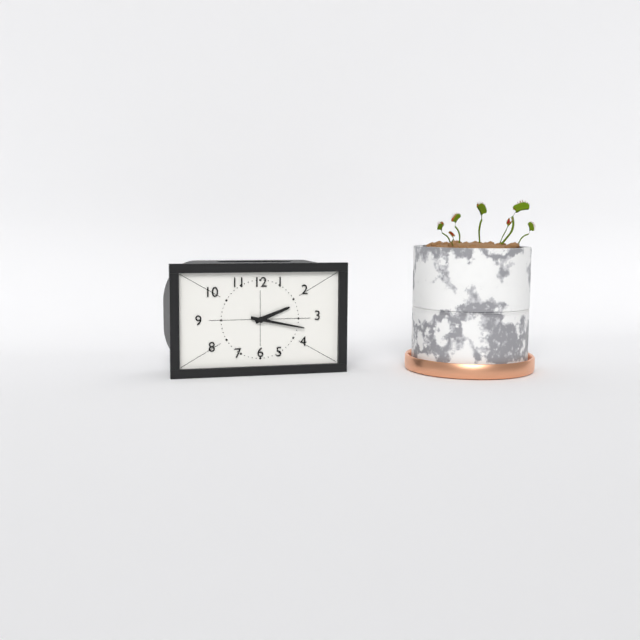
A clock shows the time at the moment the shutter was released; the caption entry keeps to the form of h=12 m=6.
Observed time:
h=2 m=17
